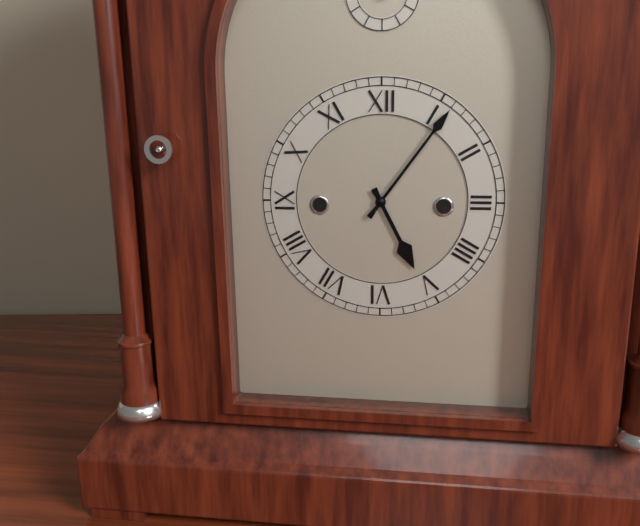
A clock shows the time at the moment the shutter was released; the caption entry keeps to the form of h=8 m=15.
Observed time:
h=5 m=6
